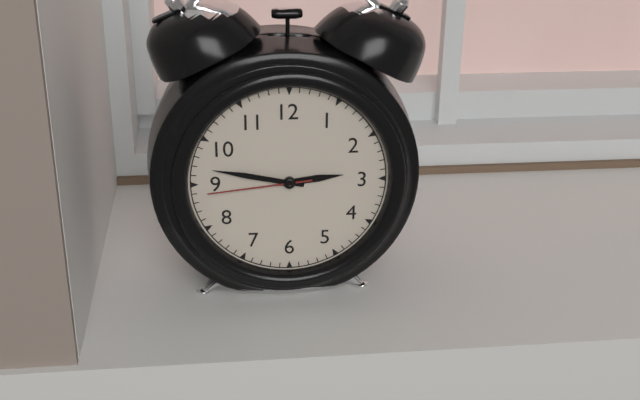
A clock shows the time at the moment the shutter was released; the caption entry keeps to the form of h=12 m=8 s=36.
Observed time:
h=2 m=47 s=44
